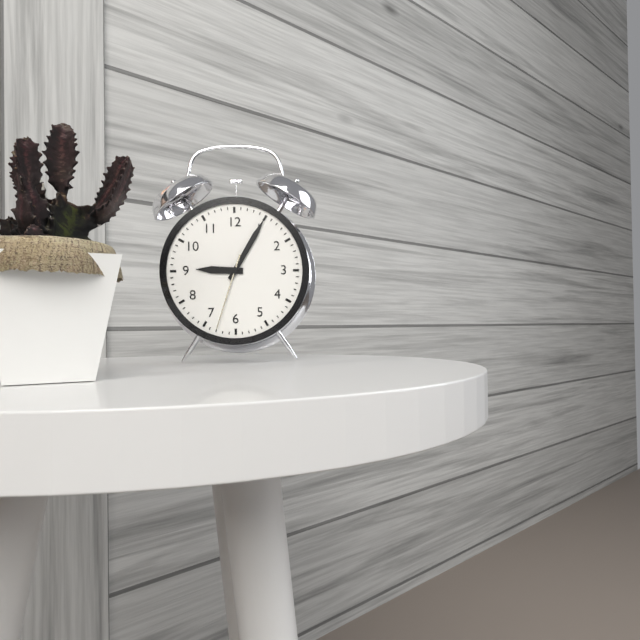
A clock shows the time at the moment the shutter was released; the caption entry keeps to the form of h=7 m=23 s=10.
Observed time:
h=9 m=5 s=33
